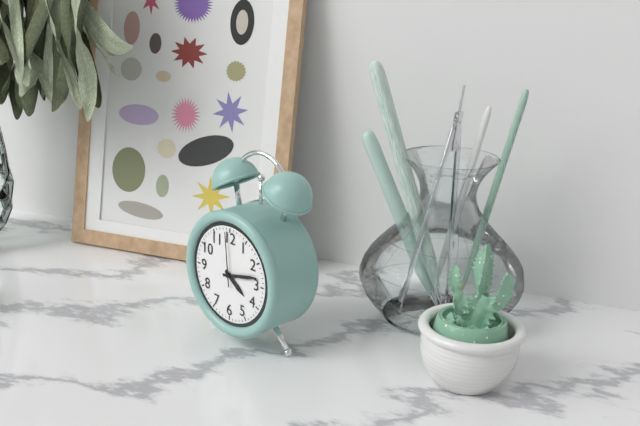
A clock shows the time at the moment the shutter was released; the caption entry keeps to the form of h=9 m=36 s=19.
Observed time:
h=4 m=13 s=59
